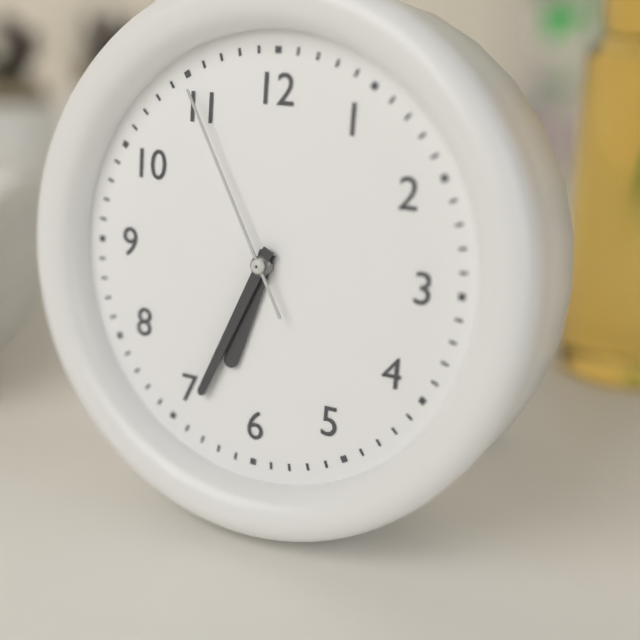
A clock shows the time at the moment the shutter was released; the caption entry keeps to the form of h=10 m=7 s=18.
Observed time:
h=6 m=34 s=55
